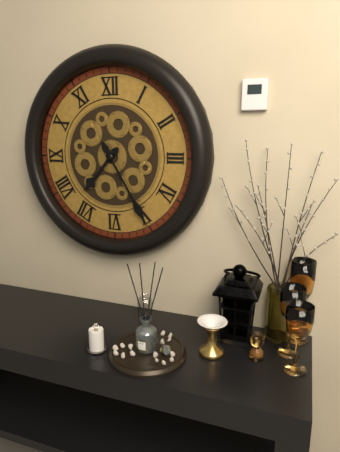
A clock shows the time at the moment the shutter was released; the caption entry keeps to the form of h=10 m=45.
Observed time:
h=7 m=25
